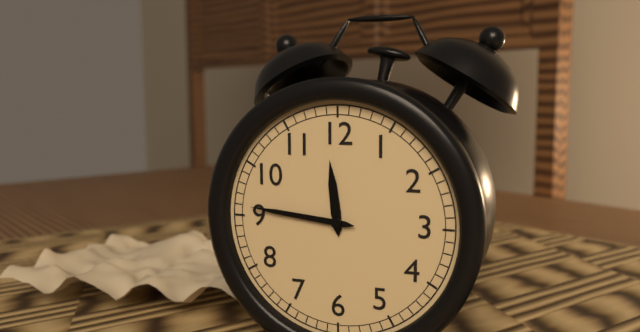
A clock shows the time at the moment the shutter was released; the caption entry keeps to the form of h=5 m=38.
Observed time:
h=11 m=46
